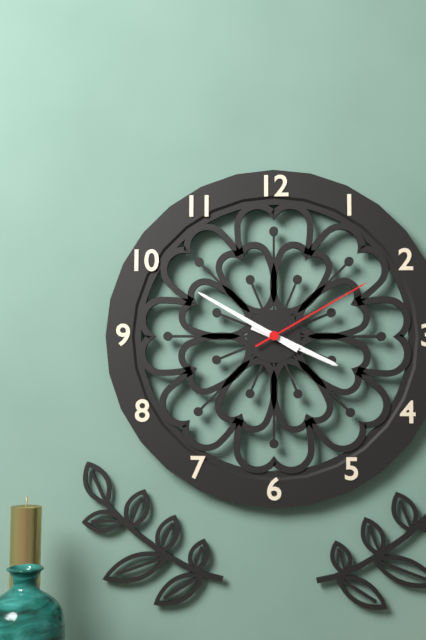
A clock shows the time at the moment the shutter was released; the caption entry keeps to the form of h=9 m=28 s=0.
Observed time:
h=3 m=50 s=10
